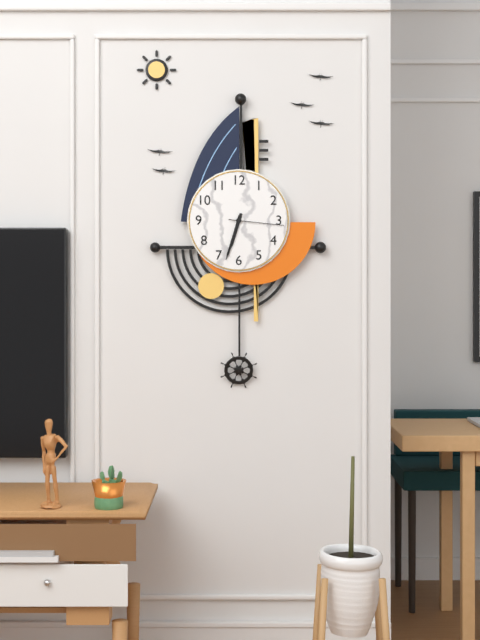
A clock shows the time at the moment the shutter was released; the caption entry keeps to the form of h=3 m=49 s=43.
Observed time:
h=6 m=33 s=16
